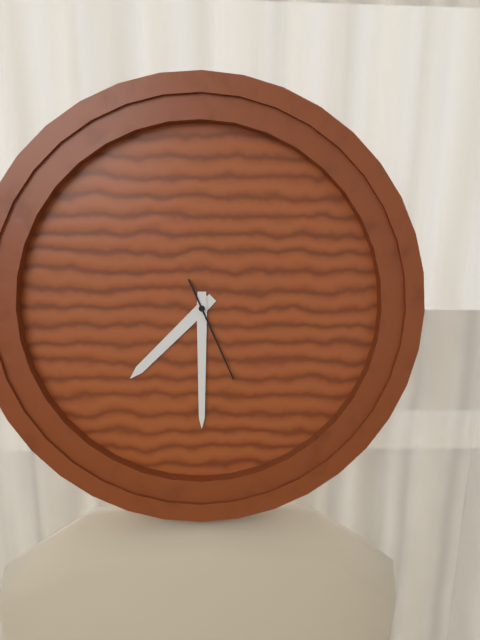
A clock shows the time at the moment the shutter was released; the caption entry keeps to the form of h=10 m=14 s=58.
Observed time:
h=7 m=30 s=26
